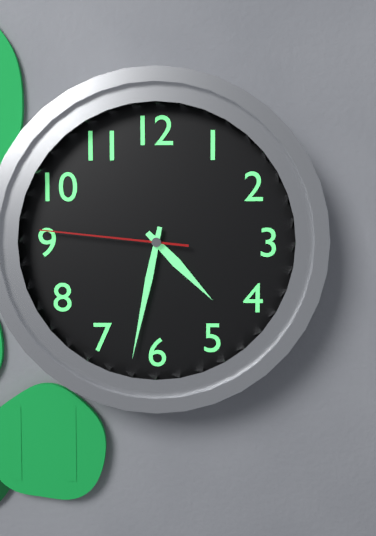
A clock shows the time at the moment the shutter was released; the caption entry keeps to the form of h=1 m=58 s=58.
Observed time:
h=4 m=32 s=46
